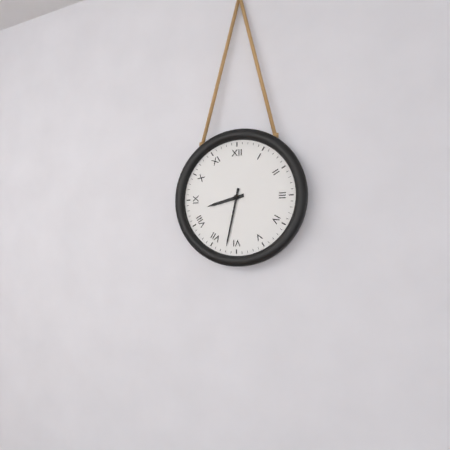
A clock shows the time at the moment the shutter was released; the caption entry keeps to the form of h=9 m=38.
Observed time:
h=8 m=32
